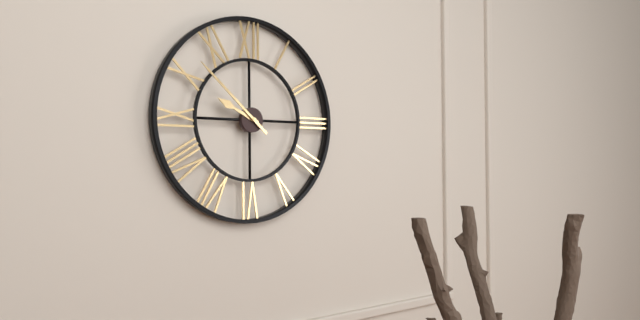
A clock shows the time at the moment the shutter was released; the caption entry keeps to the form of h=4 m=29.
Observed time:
h=9 m=52
